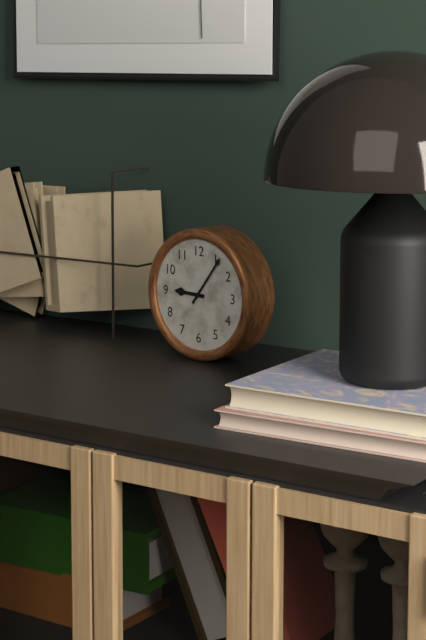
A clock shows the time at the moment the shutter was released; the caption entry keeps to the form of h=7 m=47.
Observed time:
h=9 m=6
